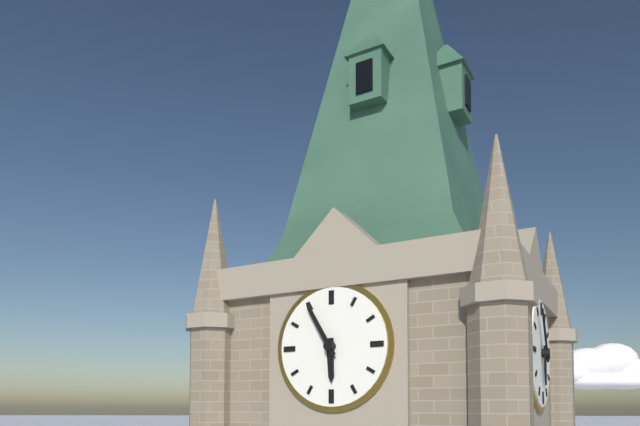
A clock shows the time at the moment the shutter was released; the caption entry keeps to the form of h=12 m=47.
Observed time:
h=5 m=55
